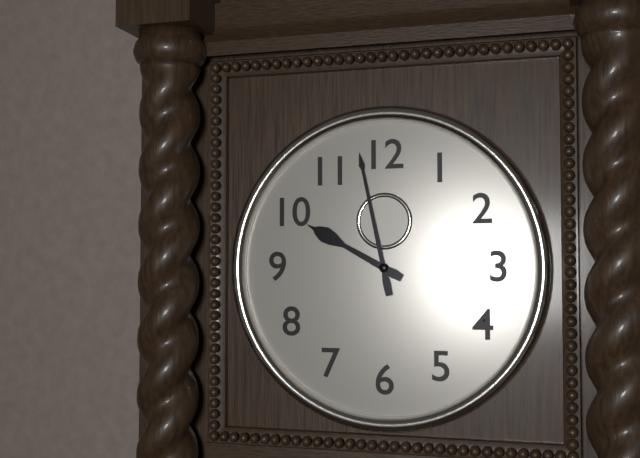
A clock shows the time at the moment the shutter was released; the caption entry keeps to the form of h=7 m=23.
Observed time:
h=9 m=58
